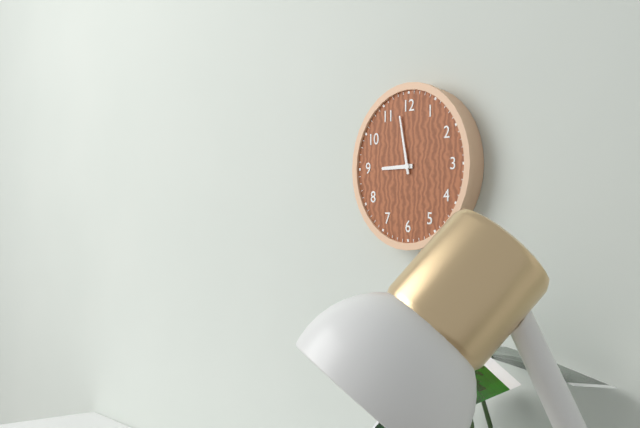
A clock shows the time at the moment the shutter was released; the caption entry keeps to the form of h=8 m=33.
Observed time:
h=8 m=58
